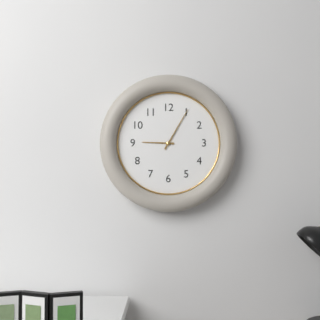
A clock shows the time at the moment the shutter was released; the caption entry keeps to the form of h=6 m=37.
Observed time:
h=9 m=5
